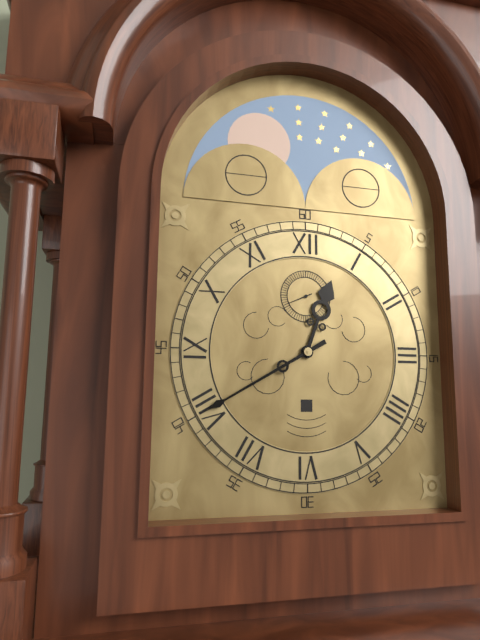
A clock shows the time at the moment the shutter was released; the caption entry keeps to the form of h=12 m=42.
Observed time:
h=12 m=40
